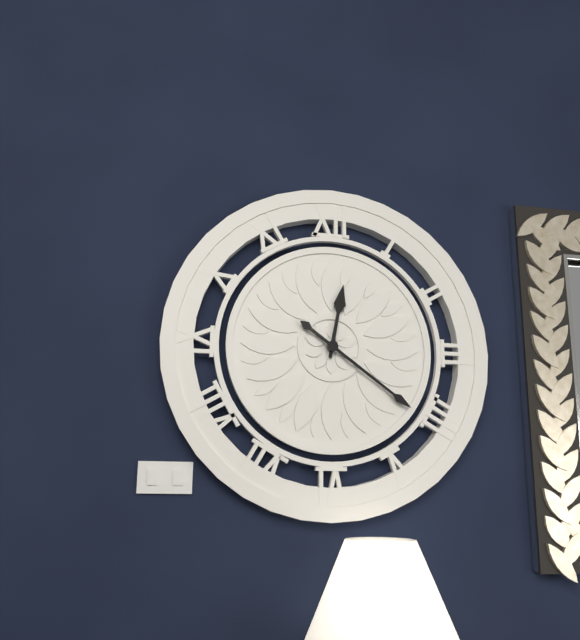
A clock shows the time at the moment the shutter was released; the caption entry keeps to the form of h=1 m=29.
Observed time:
h=12 m=21
